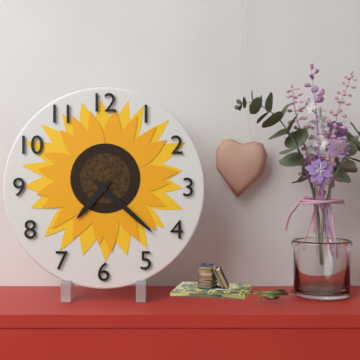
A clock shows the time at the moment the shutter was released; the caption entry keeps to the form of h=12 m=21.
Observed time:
h=7 m=22
